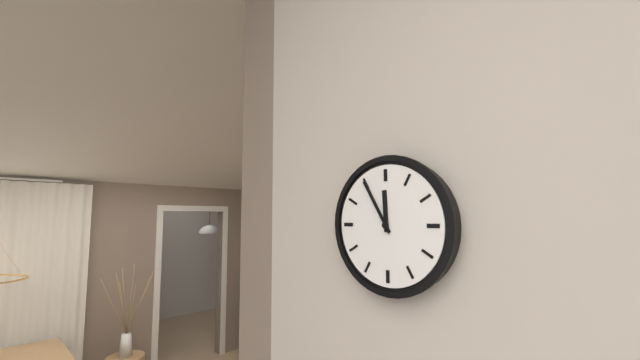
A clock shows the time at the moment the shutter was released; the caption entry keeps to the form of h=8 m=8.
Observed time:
h=11 m=55
